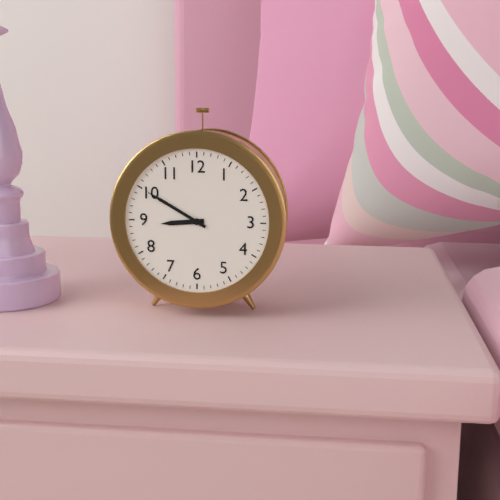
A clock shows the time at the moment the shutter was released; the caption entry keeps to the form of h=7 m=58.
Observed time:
h=8 m=50
